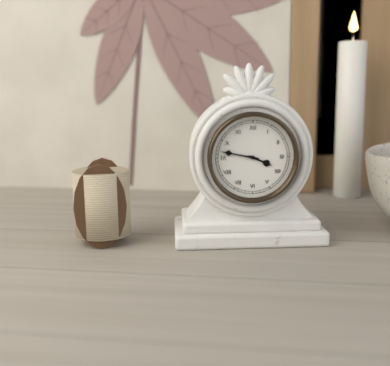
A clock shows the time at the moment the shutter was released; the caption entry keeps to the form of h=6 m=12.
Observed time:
h=3 m=47
